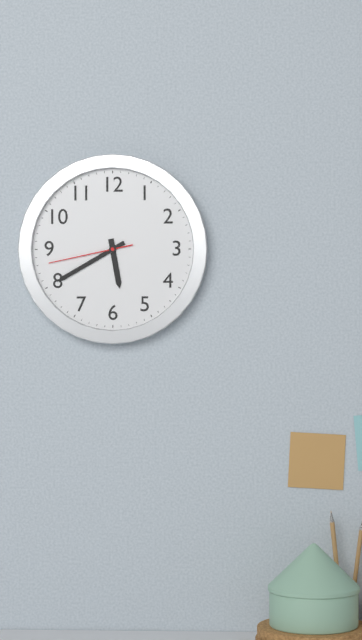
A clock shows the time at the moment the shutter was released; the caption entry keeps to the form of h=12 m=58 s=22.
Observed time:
h=5 m=40 s=43
